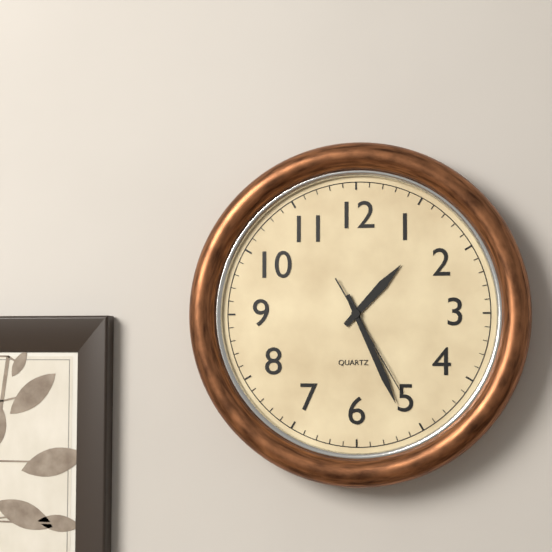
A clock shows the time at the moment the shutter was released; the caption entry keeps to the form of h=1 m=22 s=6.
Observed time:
h=1 m=26 s=25
